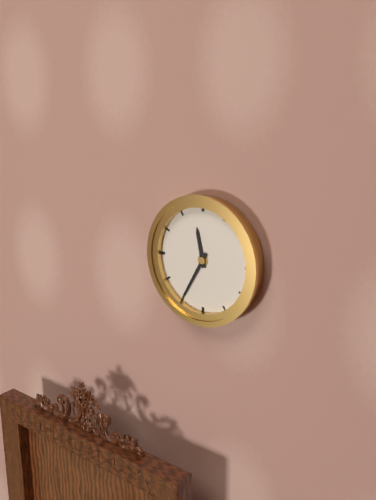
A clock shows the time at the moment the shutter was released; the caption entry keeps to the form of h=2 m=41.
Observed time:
h=11 m=35
